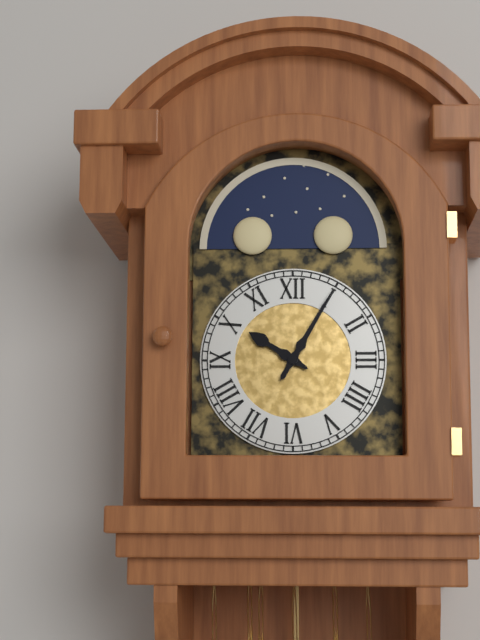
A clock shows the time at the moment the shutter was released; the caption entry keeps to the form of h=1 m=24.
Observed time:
h=10 m=5
